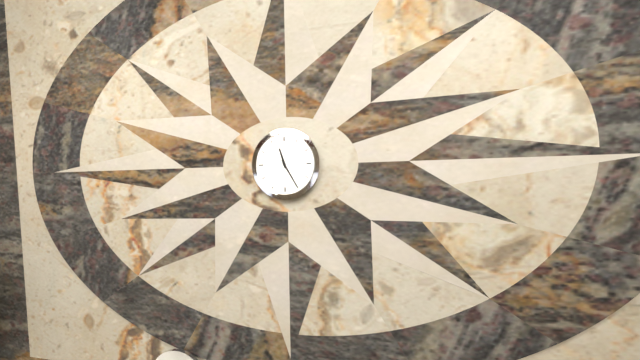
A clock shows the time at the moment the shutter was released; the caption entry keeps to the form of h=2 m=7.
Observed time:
h=11 m=25
